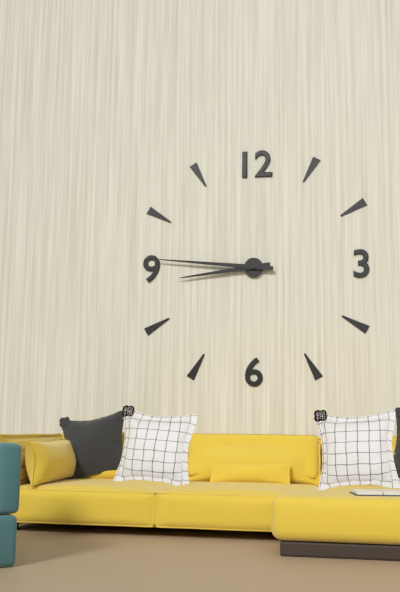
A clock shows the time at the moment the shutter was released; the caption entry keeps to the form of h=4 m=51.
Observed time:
h=8 m=46
